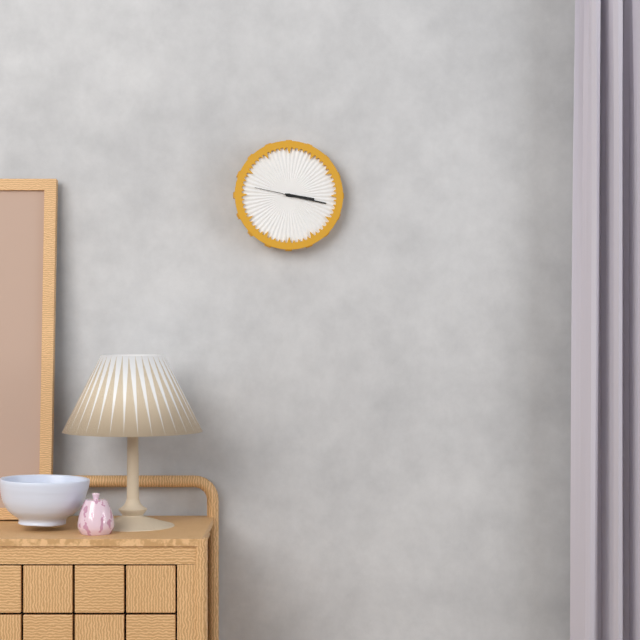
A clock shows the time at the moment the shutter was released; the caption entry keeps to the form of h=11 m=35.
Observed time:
h=3 m=17
